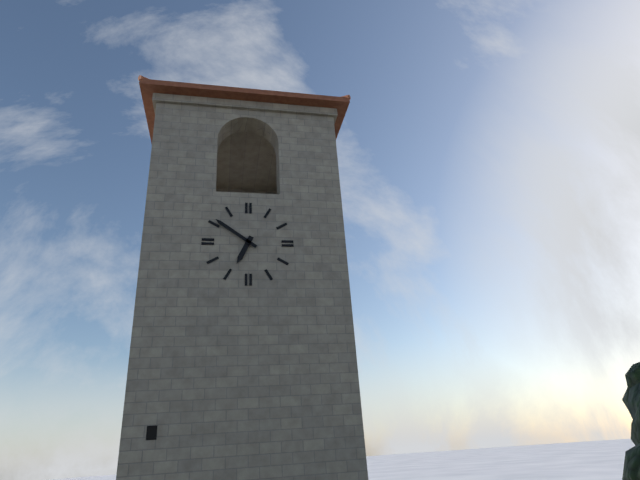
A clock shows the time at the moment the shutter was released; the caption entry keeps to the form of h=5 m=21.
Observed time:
h=6 m=51
